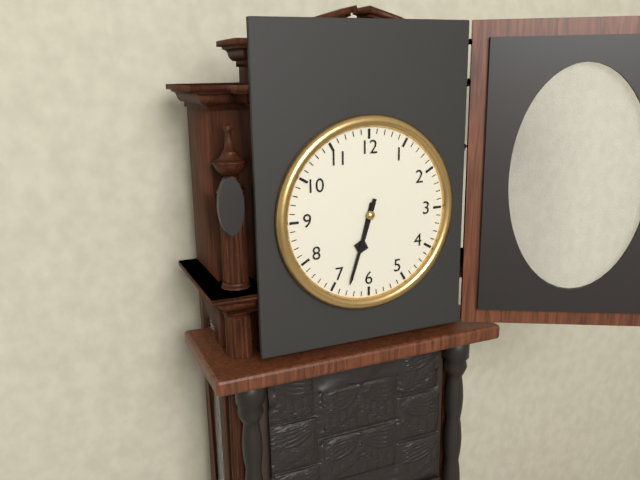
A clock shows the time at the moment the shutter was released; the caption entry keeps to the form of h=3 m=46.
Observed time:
h=6 m=33
